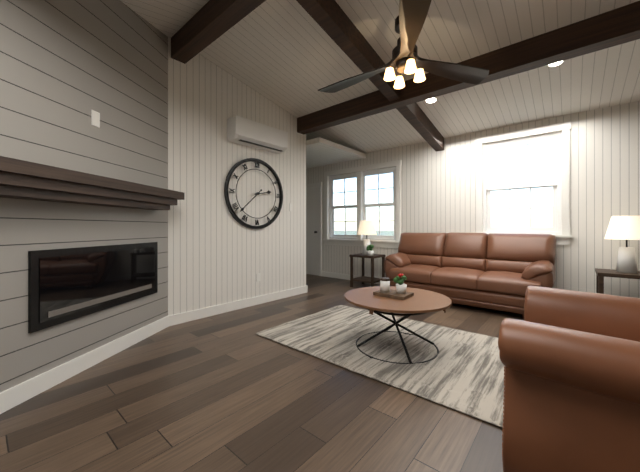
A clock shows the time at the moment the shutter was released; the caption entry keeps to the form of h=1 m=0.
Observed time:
h=2 m=38
